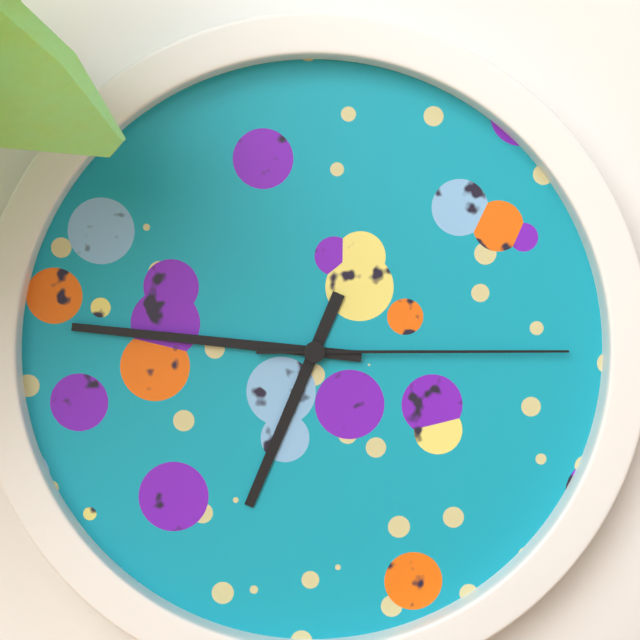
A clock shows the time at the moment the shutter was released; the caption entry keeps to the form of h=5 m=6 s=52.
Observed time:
h=6 m=46 s=15
